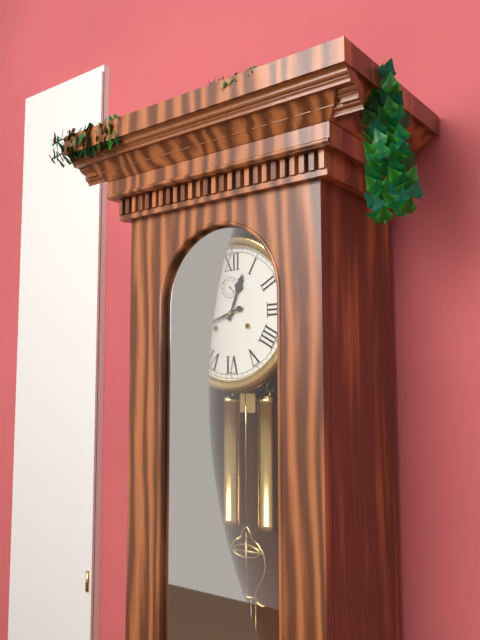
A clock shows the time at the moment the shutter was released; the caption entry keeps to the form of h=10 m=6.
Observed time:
h=12 m=42
